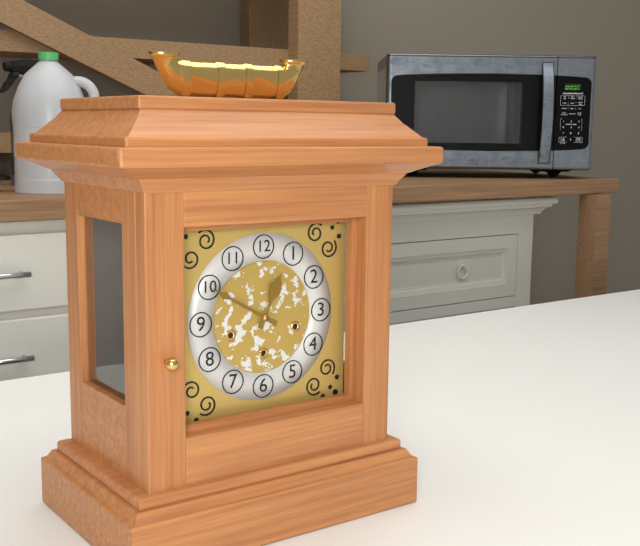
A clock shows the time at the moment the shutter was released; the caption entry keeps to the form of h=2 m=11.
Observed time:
h=12 m=50
